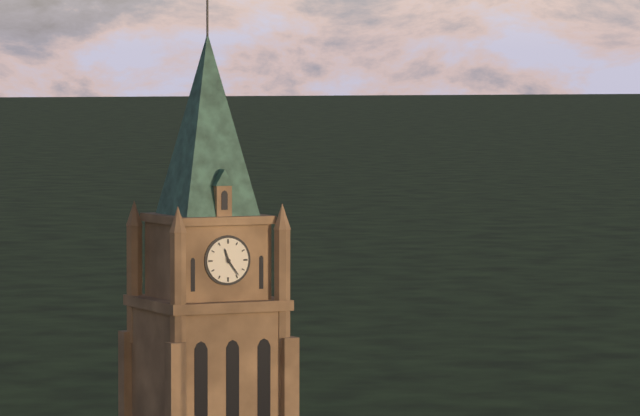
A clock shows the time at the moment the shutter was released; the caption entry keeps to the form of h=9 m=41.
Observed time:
h=11 m=24
